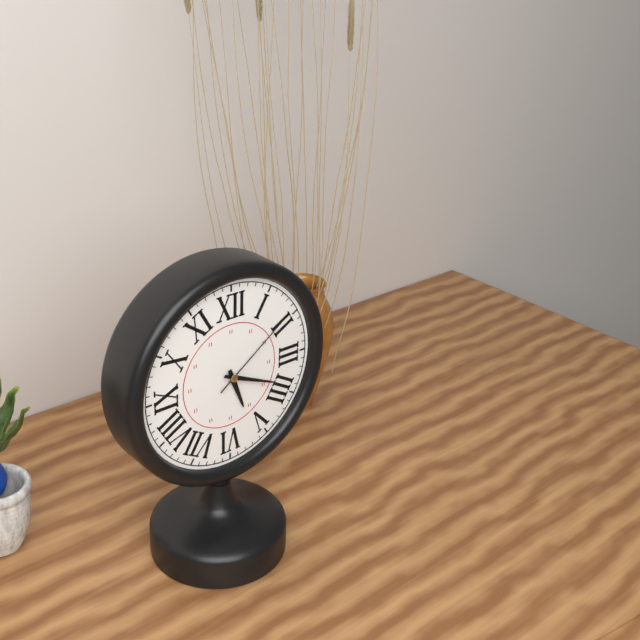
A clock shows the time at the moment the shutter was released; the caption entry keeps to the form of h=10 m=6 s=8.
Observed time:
h=5 m=19 s=9
